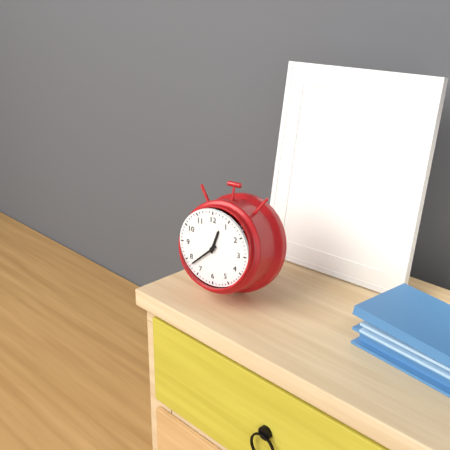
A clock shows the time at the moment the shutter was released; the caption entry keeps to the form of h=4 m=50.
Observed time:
h=12 m=38
